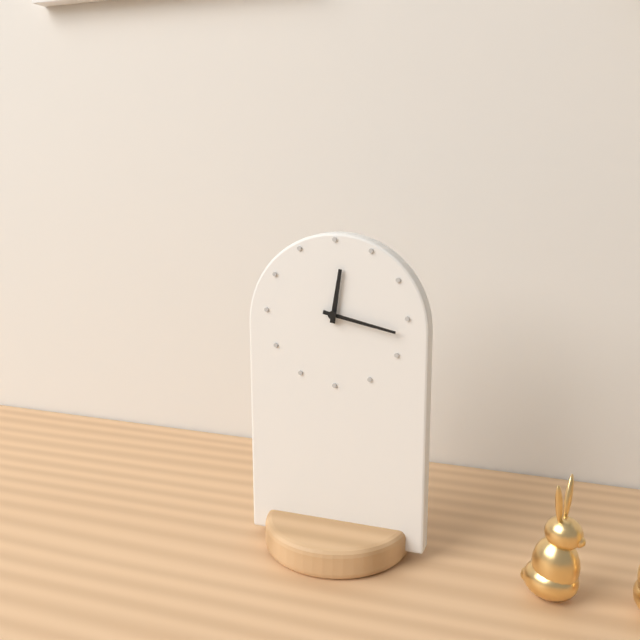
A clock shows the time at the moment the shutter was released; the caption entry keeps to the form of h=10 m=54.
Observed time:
h=12 m=17
